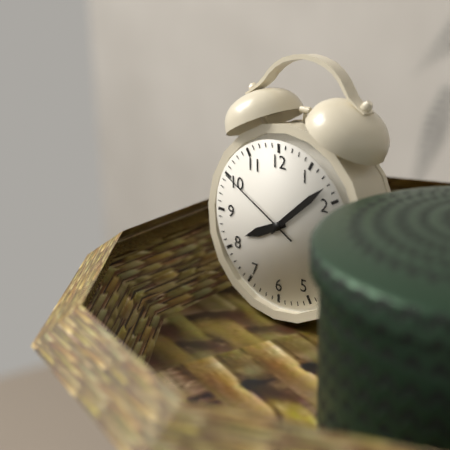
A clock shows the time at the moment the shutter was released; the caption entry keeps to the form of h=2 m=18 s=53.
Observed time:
h=8 m=8 s=50
